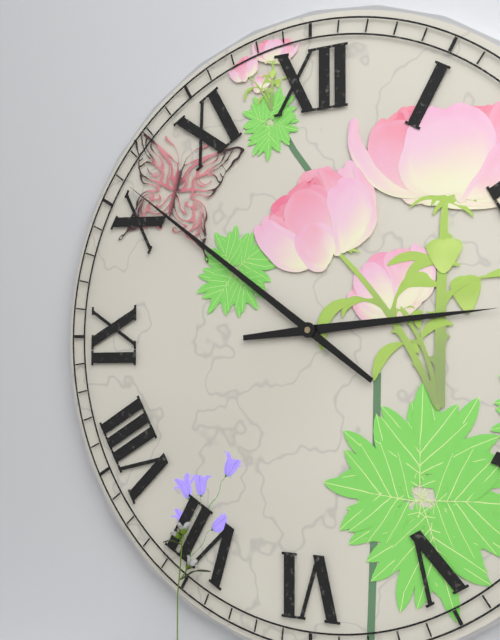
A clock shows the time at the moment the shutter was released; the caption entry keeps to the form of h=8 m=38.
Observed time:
h=2 m=51
